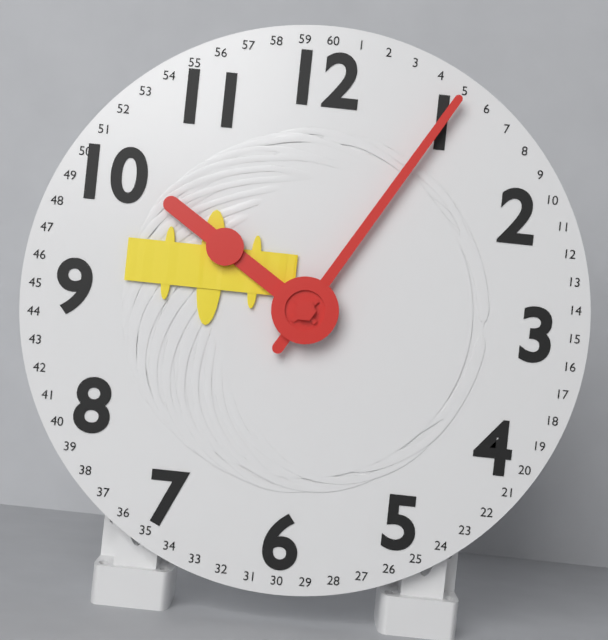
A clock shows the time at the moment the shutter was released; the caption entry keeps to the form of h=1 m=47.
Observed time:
h=10 m=5
